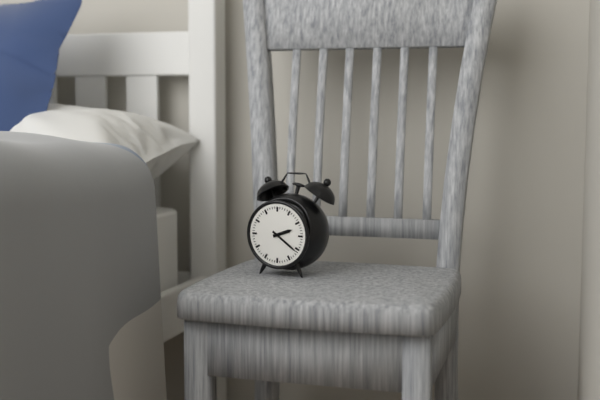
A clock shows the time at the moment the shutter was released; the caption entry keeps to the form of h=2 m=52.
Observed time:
h=2 m=21
